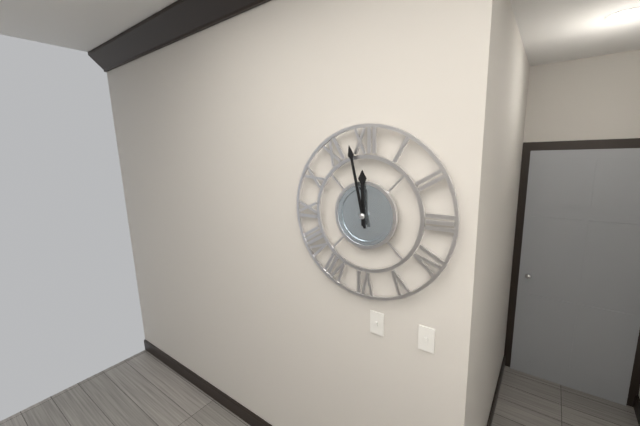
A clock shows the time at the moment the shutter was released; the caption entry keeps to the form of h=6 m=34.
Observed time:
h=11 m=58
